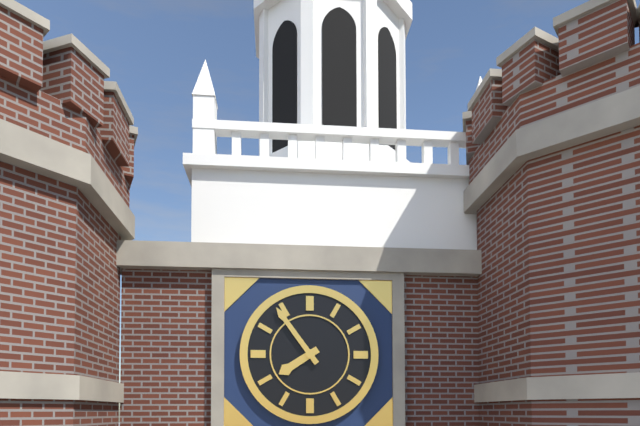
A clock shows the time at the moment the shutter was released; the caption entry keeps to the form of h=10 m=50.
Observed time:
h=7 m=54
